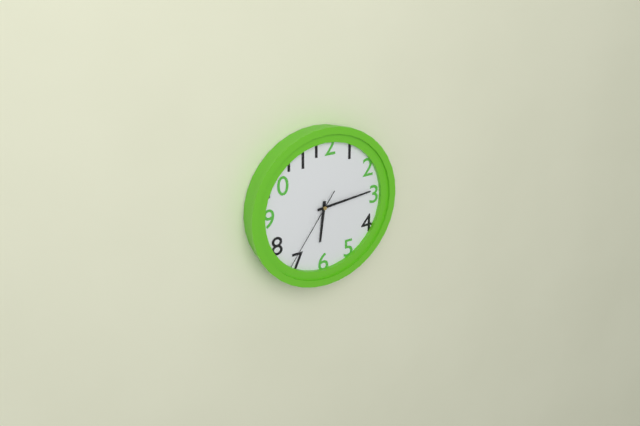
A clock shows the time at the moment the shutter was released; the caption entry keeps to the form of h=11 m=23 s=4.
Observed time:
h=6 m=14 s=36
